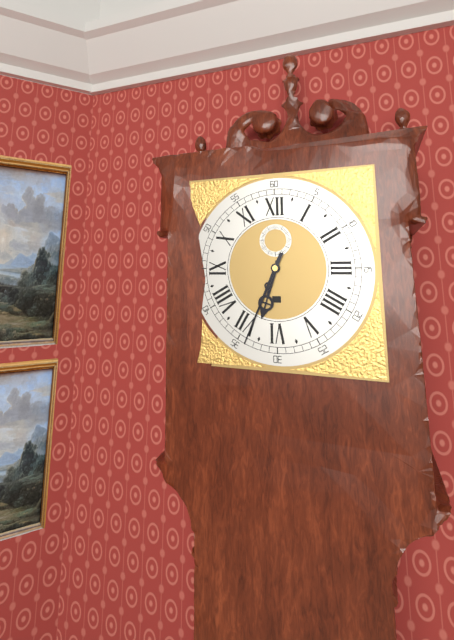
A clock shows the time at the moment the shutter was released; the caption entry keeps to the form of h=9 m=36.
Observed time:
h=6 m=34
